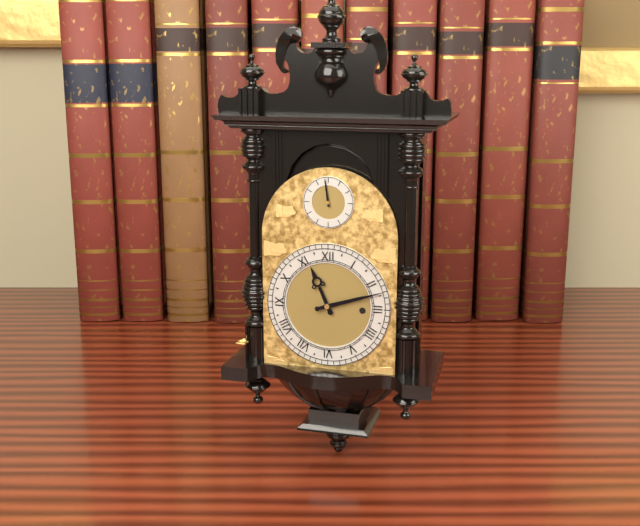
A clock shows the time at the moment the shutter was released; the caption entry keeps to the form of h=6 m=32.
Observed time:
h=11 m=12
